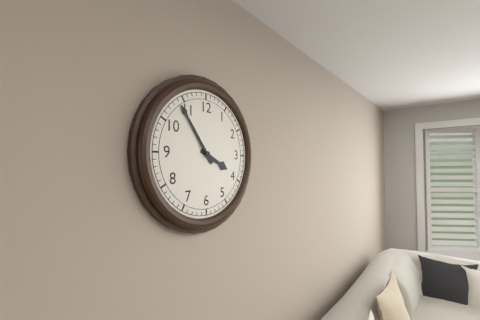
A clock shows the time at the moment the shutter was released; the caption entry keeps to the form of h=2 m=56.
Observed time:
h=3 m=54
